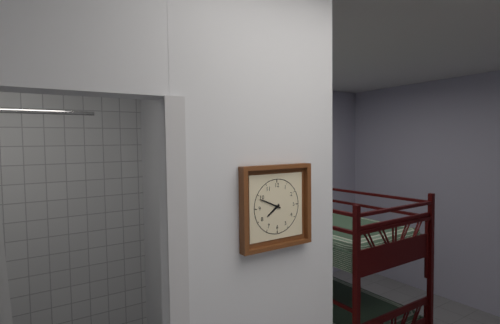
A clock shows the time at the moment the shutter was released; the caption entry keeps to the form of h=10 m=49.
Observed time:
h=7 m=49
